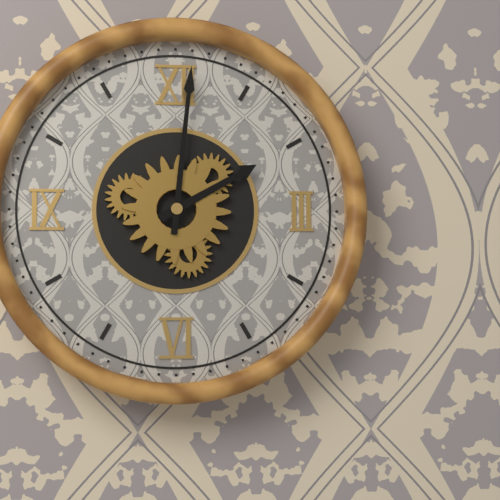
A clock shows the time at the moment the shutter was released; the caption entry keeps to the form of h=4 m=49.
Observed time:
h=2 m=1
